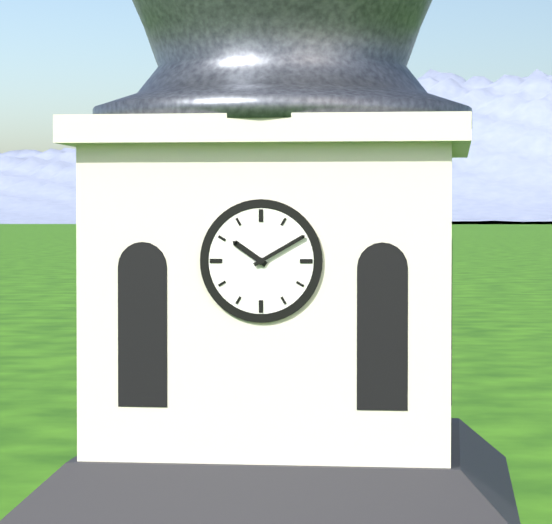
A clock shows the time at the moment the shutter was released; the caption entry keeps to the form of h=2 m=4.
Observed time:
h=10 m=10
